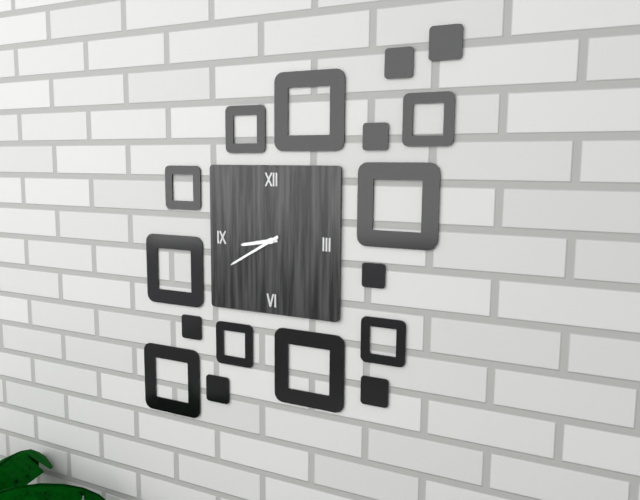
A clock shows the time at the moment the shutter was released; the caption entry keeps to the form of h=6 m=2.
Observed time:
h=8 m=40
